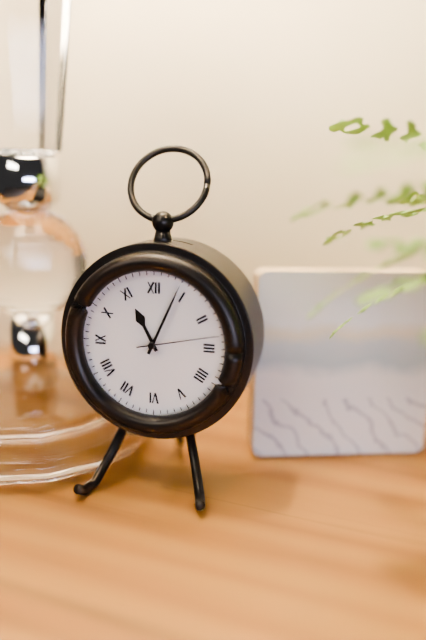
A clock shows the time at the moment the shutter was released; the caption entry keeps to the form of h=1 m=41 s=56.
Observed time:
h=11 m=4 s=13
